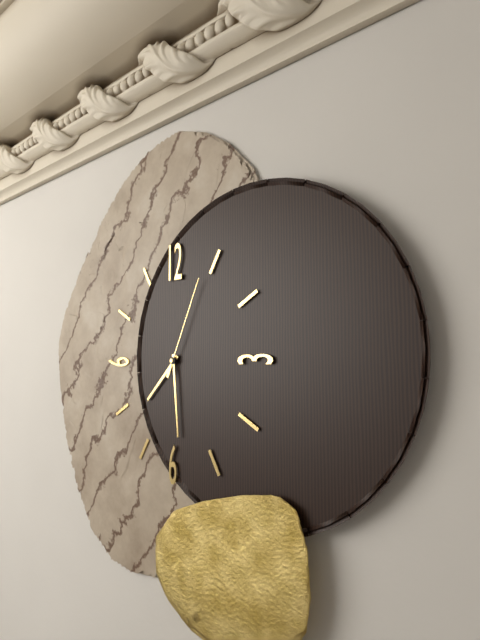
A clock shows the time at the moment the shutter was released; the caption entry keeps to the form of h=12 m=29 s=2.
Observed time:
h=7 m=29 s=4
